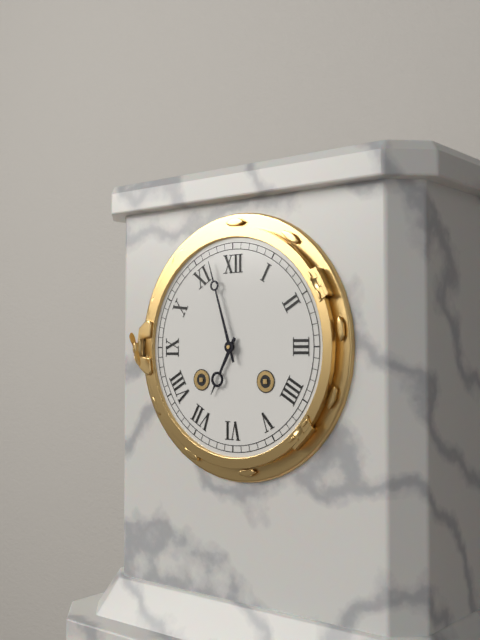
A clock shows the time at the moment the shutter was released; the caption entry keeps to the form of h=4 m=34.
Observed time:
h=6 m=57
